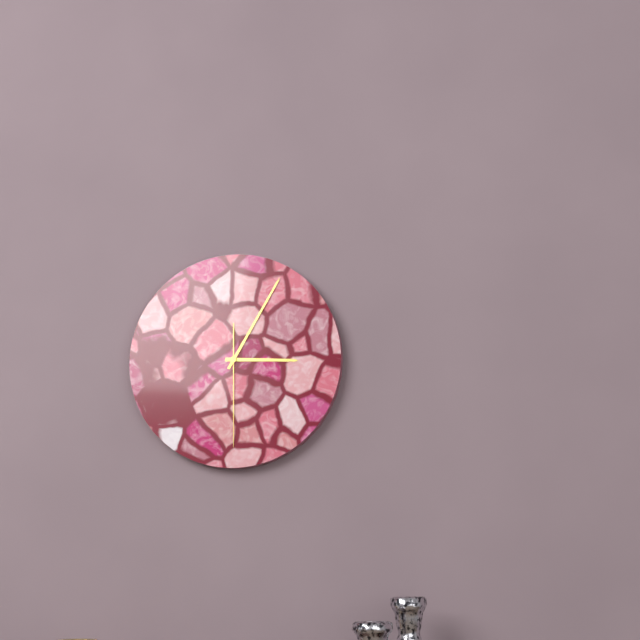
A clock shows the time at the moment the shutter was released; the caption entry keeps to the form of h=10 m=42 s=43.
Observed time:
h=3 m=5 s=30
